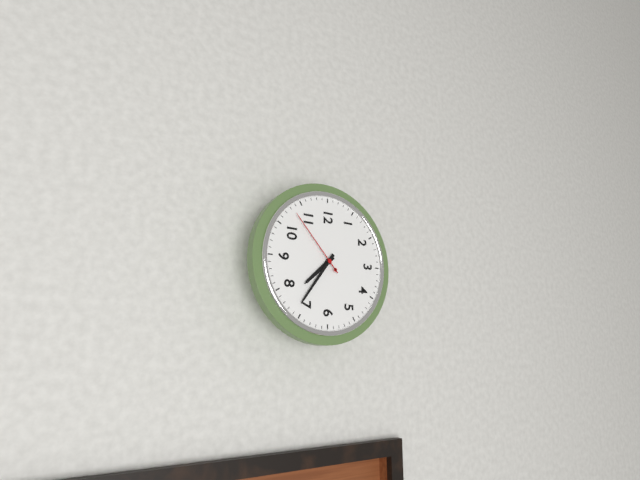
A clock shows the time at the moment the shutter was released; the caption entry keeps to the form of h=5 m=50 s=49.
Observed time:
h=7 m=36 s=53
